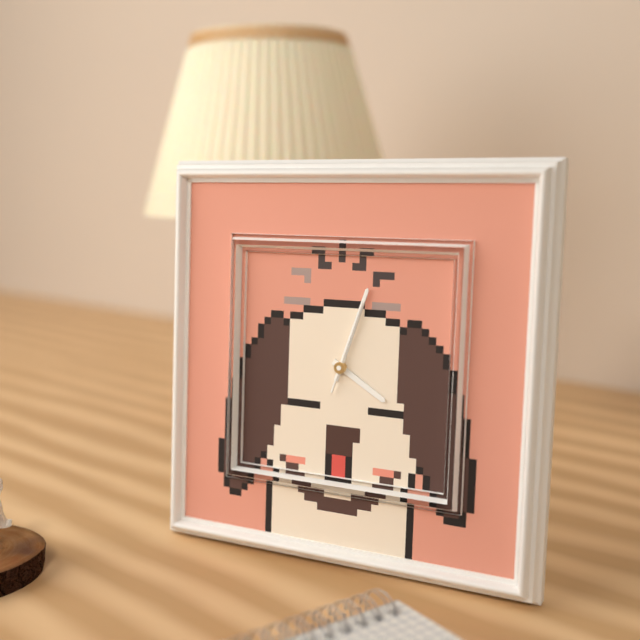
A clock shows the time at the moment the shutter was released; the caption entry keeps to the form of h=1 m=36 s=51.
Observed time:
h=4 m=3 s=3
